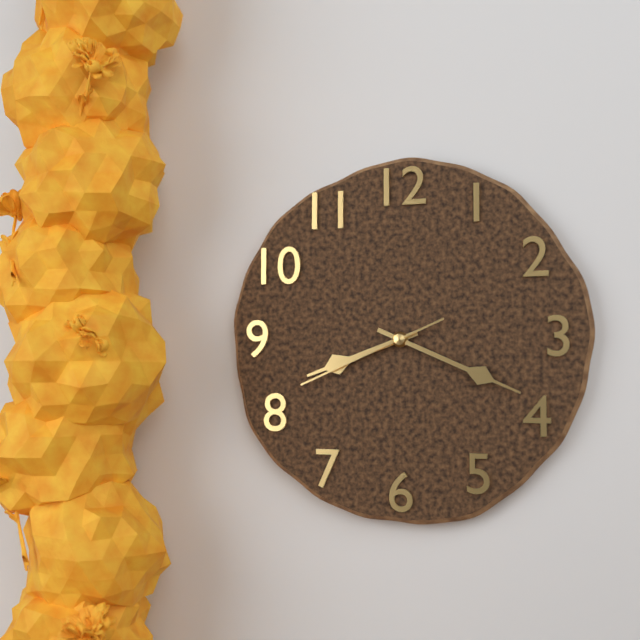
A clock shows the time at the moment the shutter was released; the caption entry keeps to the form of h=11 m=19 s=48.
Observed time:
h=8 m=19 s=41
